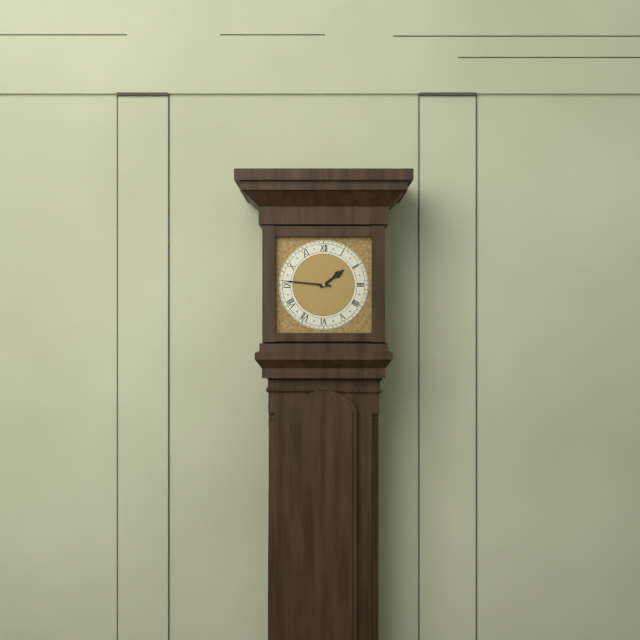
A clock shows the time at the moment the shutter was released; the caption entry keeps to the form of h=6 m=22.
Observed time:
h=1 m=46
